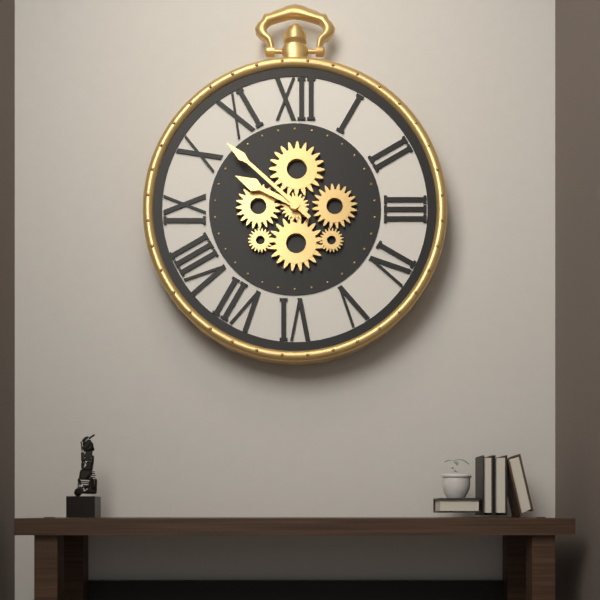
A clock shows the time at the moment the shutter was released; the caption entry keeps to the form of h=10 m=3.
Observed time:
h=9 m=52
